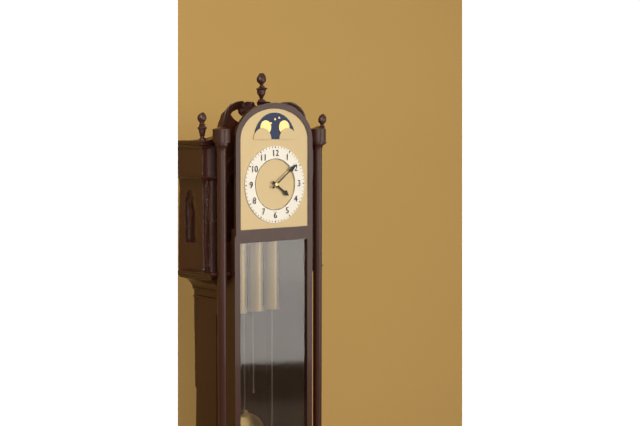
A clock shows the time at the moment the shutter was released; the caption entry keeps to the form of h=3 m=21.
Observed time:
h=4 m=9
